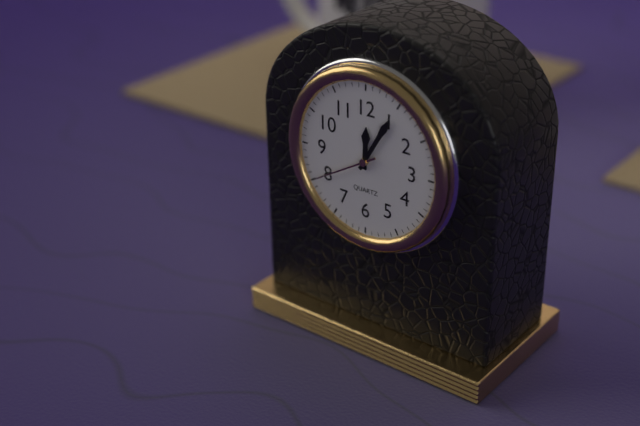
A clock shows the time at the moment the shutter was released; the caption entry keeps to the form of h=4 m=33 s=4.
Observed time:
h=12 m=5 s=40
